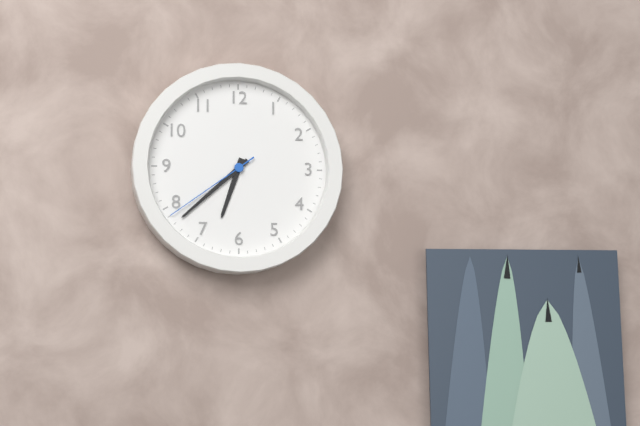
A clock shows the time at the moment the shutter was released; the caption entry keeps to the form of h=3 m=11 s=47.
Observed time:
h=6 m=38 s=39
